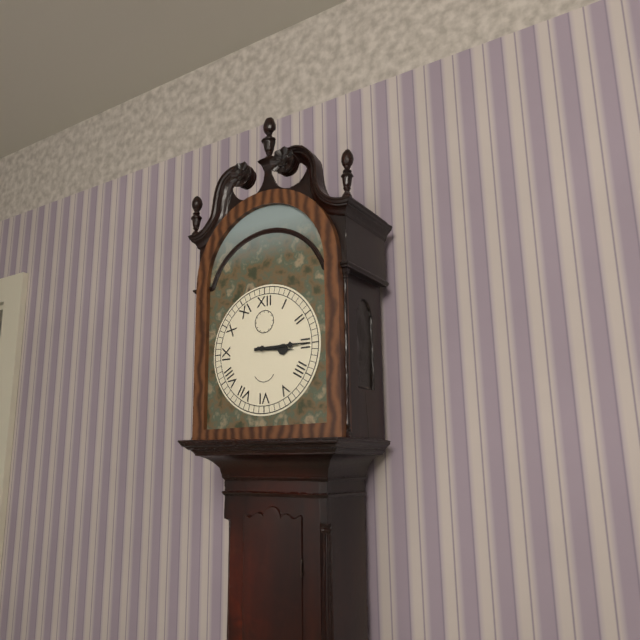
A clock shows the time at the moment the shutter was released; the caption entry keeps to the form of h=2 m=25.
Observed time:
h=3 m=15
